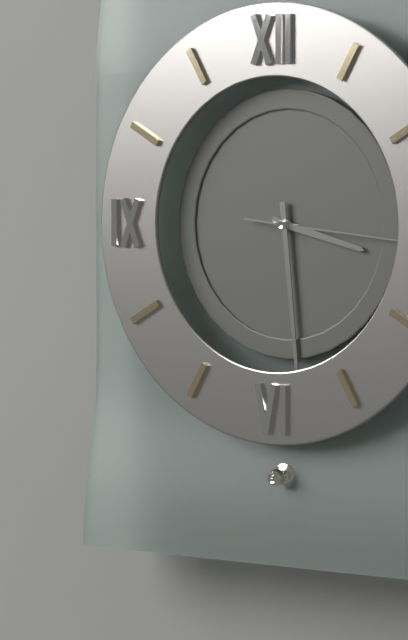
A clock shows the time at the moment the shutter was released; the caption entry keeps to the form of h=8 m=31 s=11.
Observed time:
h=3 m=29 s=16
